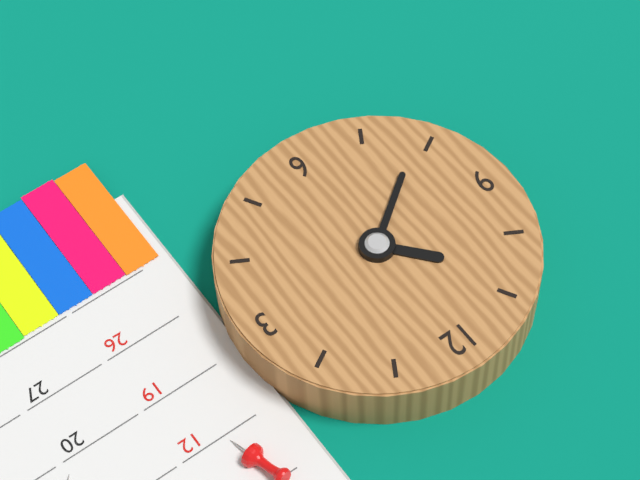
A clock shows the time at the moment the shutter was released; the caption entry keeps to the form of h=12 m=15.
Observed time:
h=10 m=39
